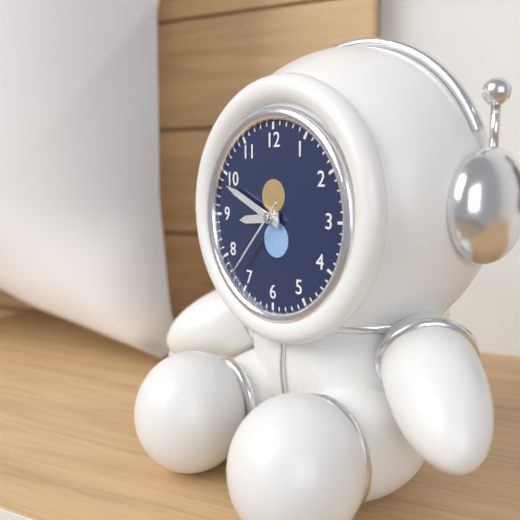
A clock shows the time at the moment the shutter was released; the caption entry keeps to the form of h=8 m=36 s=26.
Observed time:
h=8 m=49 s=37
